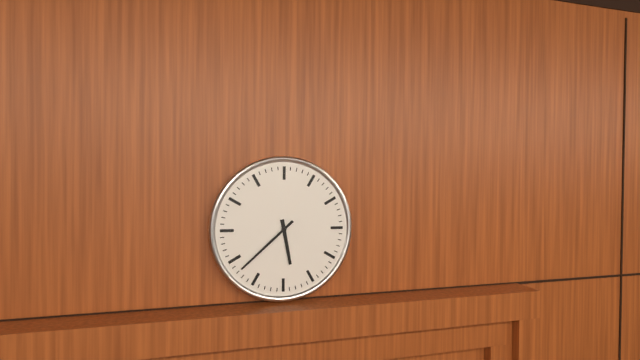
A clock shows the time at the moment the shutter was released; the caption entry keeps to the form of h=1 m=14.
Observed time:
h=5 m=38
